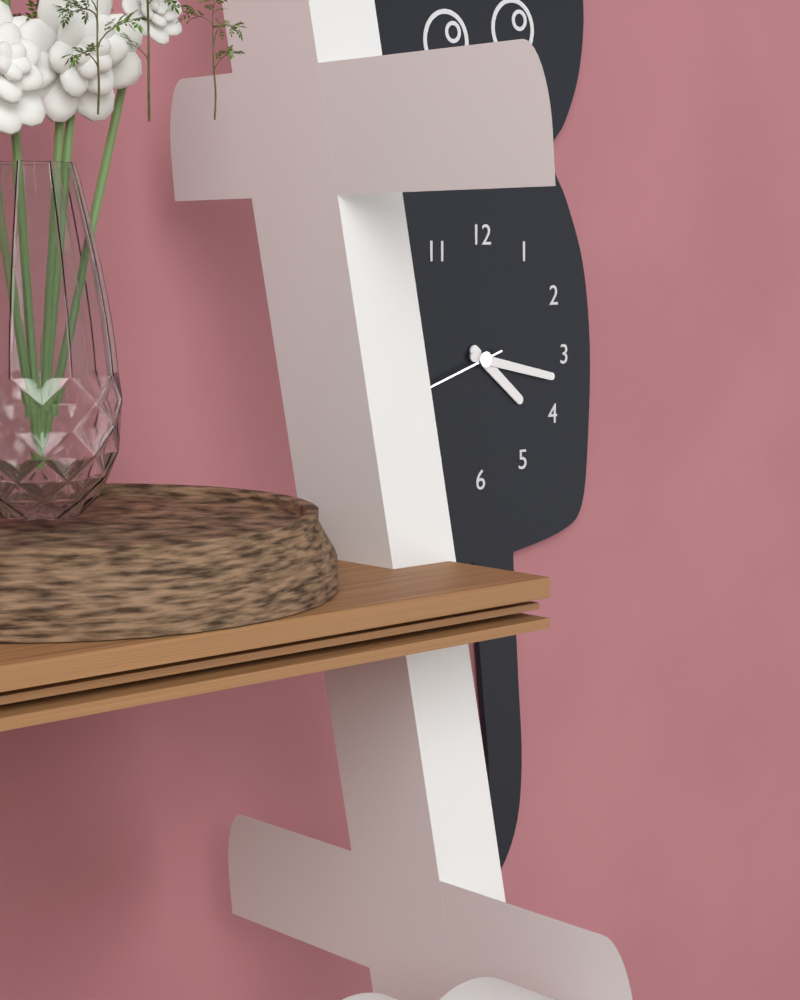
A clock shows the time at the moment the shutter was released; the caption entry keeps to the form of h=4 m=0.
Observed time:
h=4 m=17
